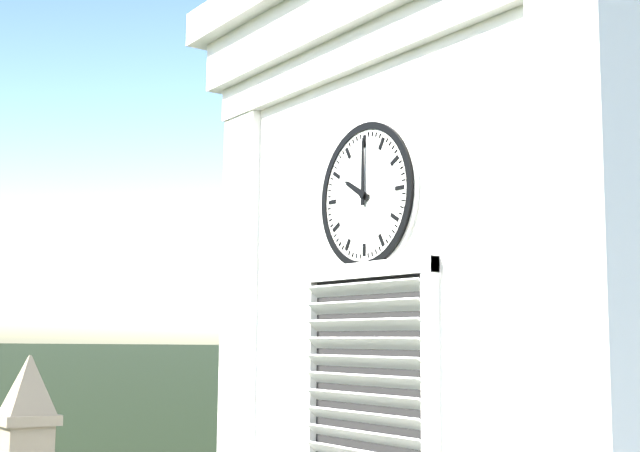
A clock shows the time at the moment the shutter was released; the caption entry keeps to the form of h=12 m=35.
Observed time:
h=10 m=0
